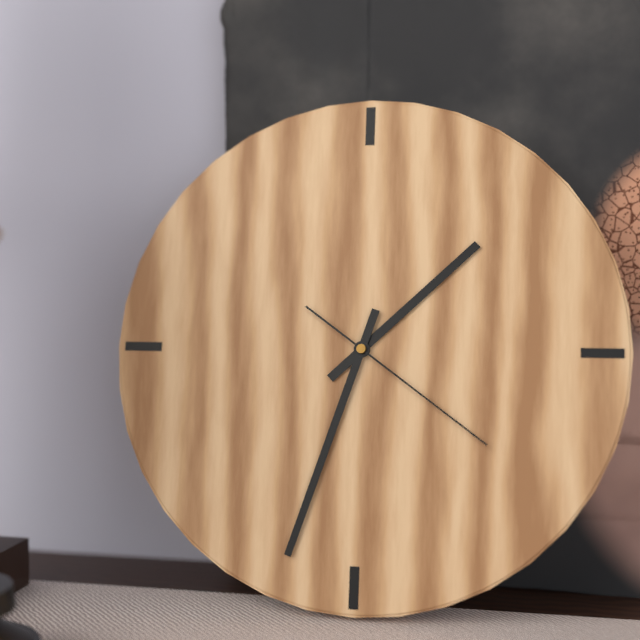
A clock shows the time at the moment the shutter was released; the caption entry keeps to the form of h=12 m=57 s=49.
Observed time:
h=1 m=33 s=21
